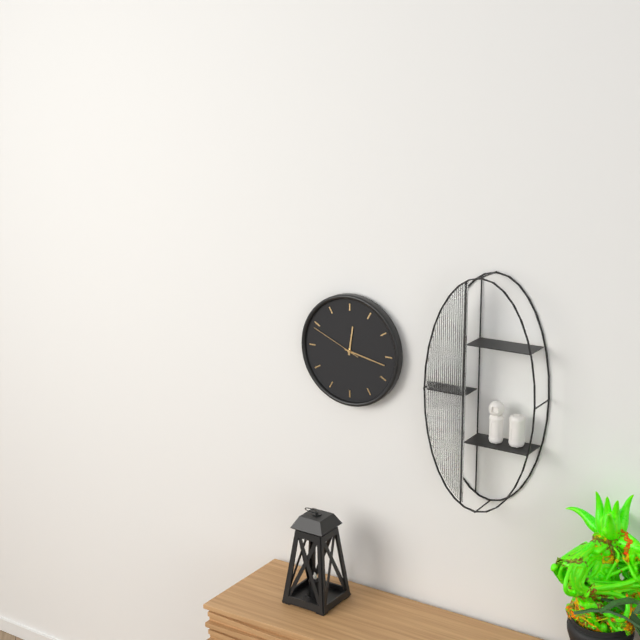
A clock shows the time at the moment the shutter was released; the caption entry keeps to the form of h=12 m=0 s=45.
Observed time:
h=12 m=17 s=49
